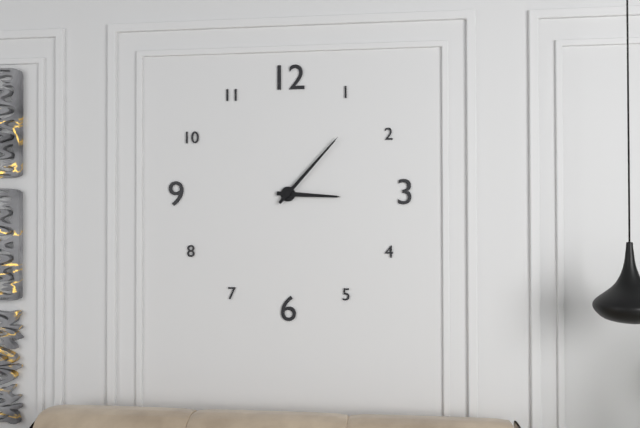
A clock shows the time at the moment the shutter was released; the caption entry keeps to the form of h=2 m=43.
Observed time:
h=3 m=7
